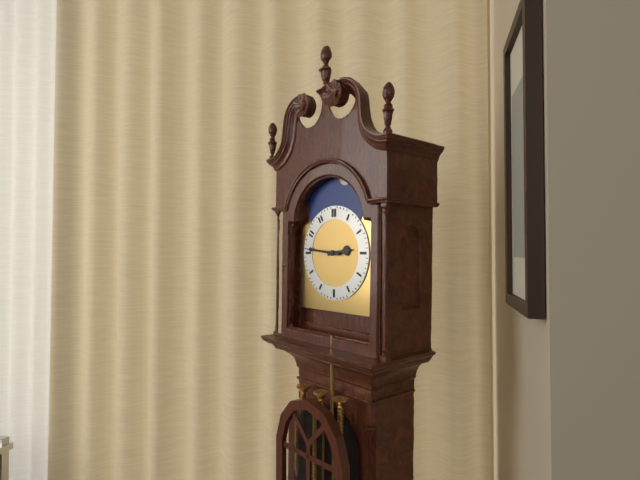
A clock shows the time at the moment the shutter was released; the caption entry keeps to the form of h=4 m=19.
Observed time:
h=2 m=46
